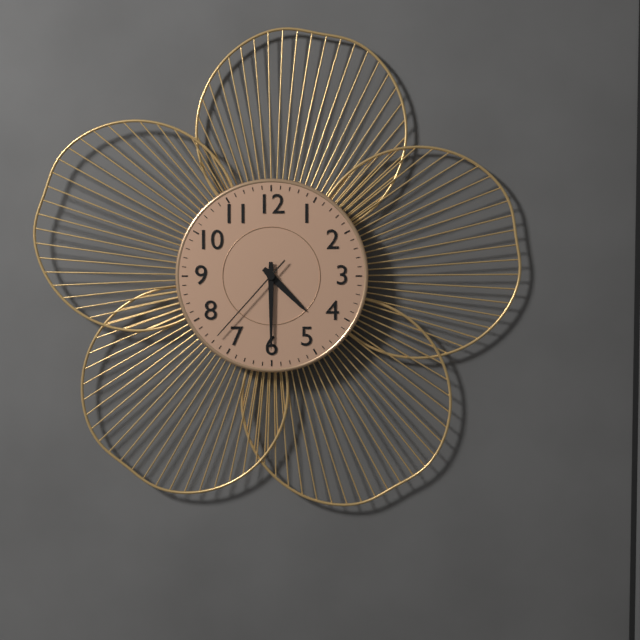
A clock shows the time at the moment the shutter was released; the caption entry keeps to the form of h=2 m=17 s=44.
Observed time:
h=4 m=30 s=37
